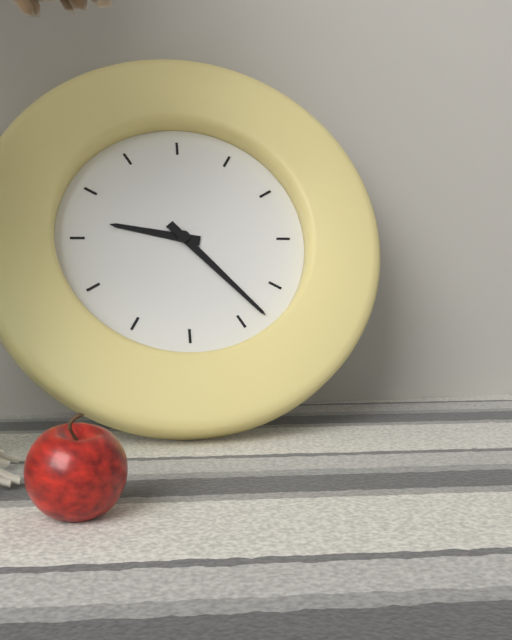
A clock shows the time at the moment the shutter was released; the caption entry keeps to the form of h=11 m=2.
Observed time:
h=9 m=23
